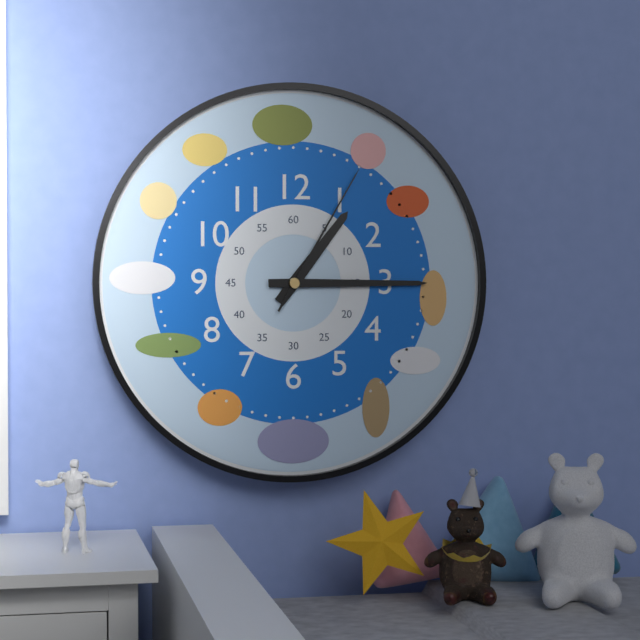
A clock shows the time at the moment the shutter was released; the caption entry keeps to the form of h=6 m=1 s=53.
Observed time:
h=1 m=15 s=5
